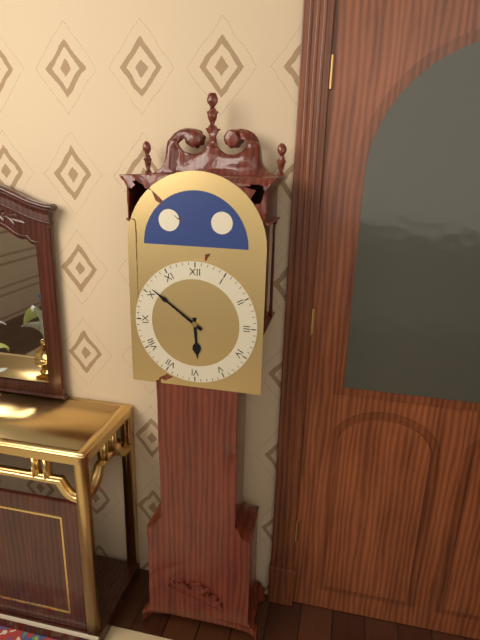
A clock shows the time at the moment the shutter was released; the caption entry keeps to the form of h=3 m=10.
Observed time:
h=5 m=51
